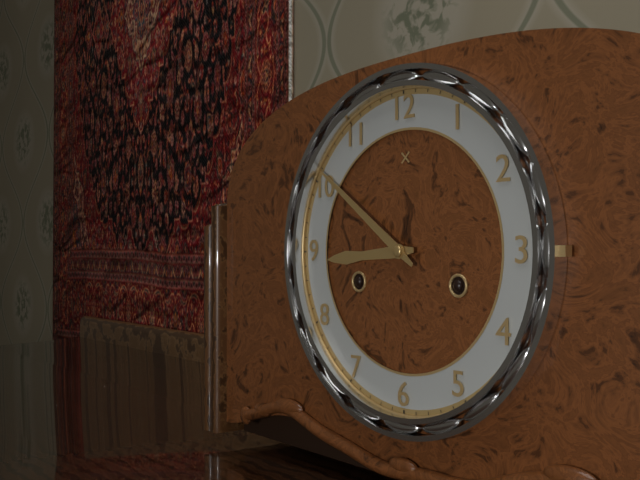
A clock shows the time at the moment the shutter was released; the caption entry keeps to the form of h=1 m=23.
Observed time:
h=8 m=51
